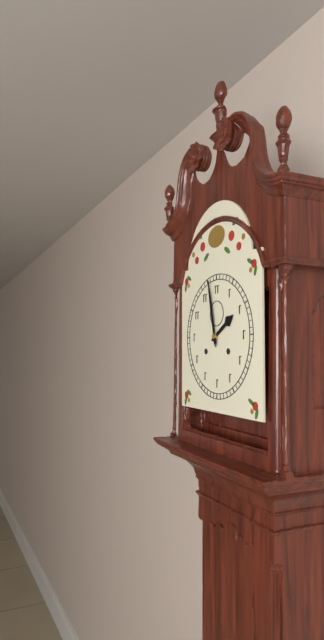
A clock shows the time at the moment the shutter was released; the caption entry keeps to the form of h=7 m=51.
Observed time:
h=1 m=58
